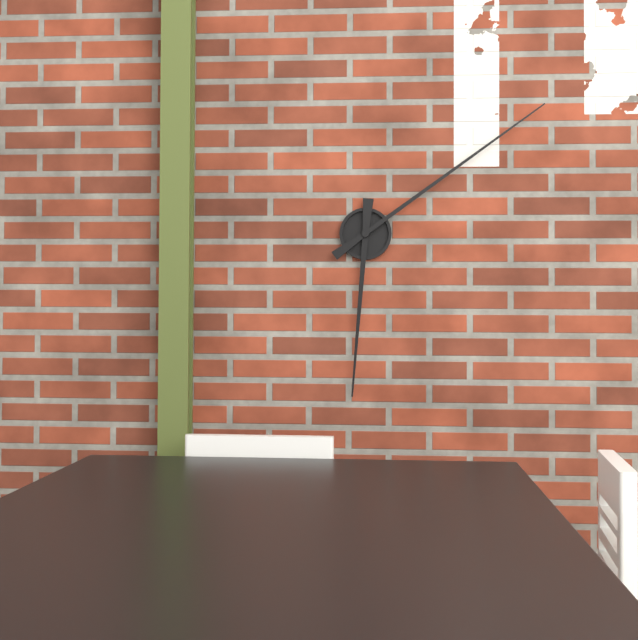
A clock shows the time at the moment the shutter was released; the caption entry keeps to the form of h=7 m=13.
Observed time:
h=6 m=9
